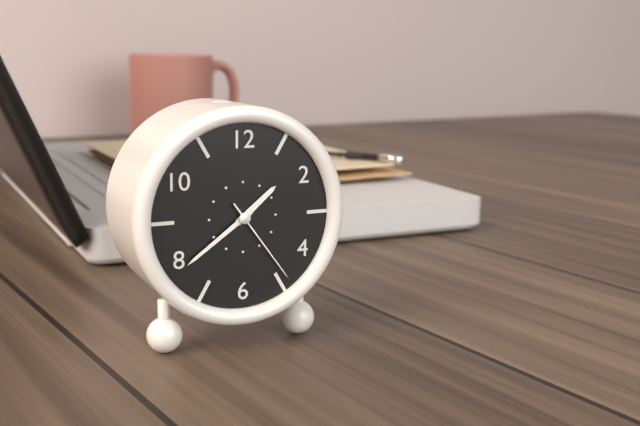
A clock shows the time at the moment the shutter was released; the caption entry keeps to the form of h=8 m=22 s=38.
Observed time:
h=1 m=39 s=24
